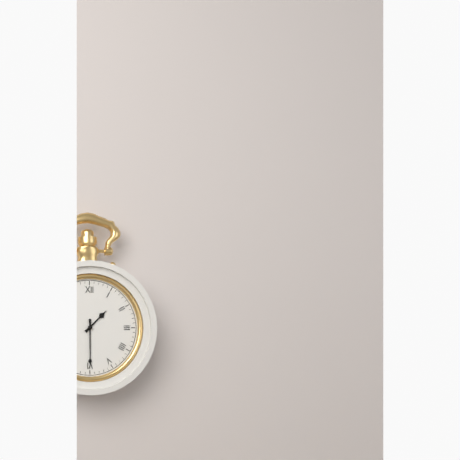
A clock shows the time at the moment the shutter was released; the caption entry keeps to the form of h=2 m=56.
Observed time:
h=1 m=30
